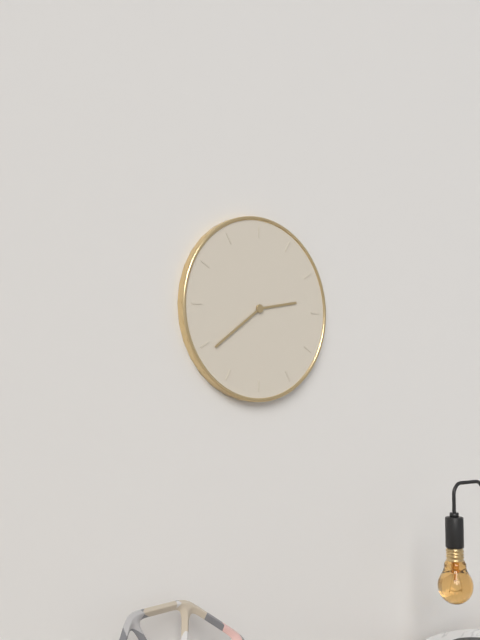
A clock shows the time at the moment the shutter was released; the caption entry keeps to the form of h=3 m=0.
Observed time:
h=2 m=39
